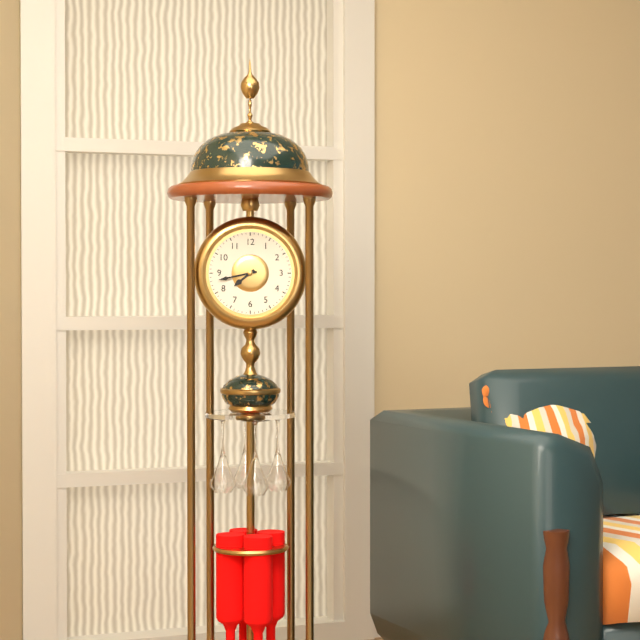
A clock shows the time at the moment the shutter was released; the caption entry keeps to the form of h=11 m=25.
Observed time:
h=7 m=43
